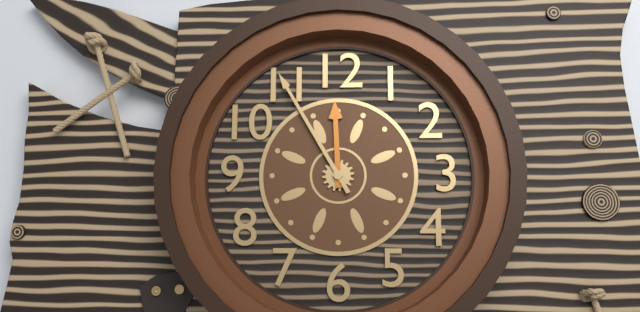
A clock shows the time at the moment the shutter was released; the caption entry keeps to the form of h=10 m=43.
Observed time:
h=11 m=55
